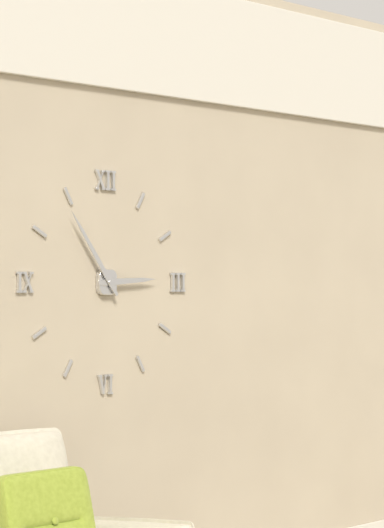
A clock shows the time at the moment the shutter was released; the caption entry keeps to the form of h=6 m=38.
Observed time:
h=2 m=54
